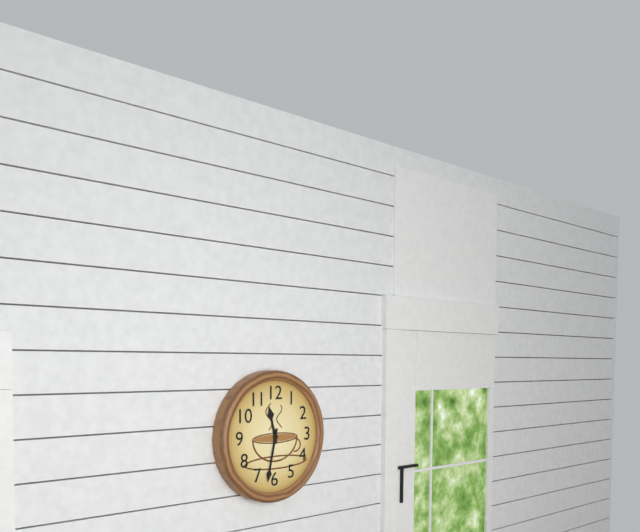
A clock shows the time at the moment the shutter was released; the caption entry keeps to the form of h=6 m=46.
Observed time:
h=11 m=32
